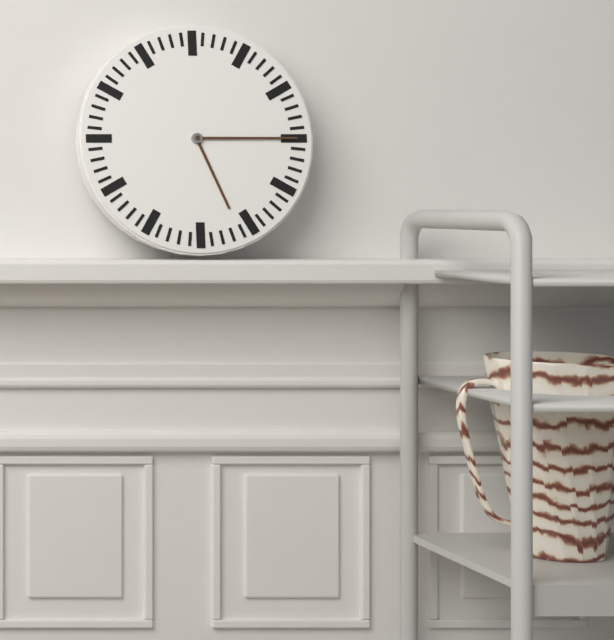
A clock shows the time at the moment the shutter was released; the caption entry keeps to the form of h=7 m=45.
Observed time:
h=5 m=15
